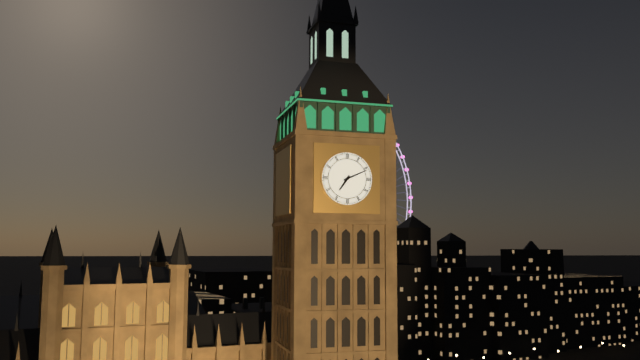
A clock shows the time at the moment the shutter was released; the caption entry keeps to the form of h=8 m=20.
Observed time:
h=7 m=11
